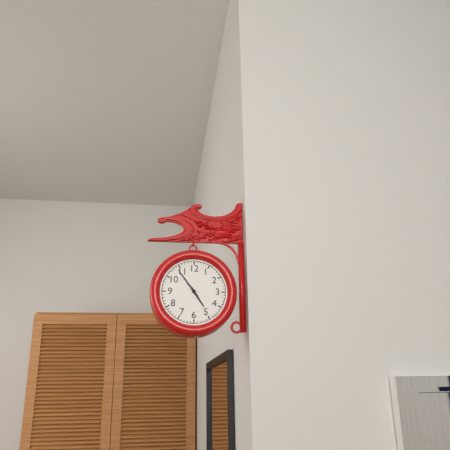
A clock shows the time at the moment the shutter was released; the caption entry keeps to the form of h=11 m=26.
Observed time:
h=4 m=54
